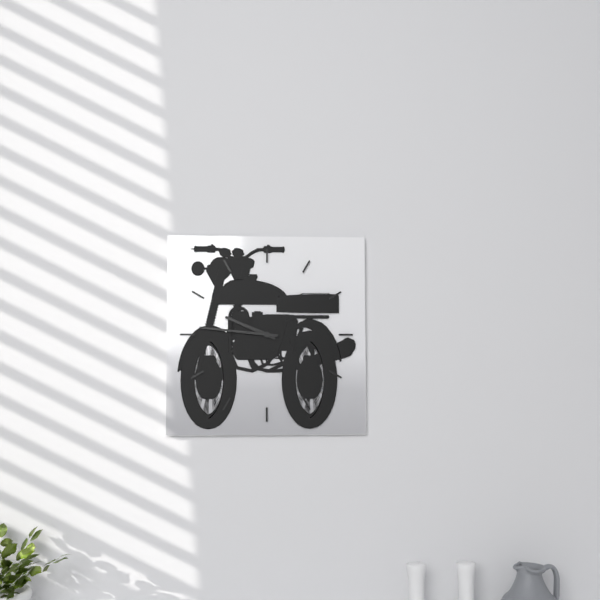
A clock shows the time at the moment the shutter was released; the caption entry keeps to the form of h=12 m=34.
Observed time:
h=9 m=46
